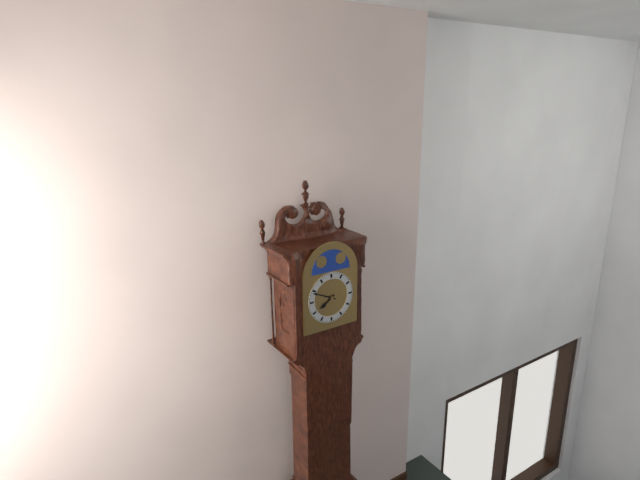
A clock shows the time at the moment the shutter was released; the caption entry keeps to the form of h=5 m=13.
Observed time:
h=7 m=49
